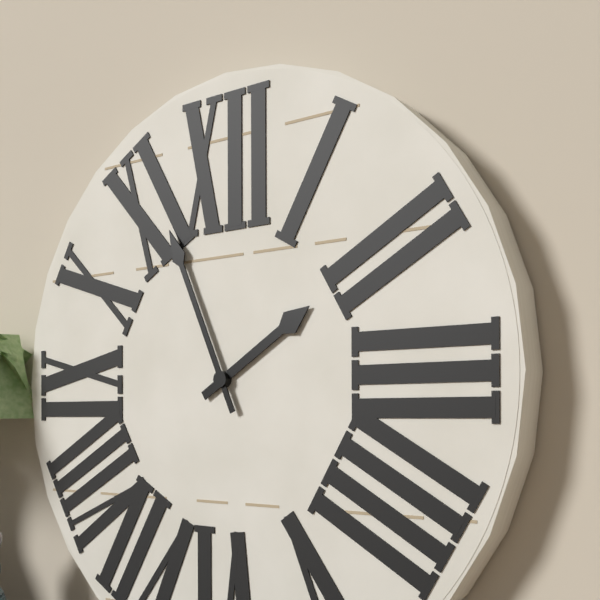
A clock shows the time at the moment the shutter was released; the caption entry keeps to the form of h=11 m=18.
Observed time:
h=1 m=56
